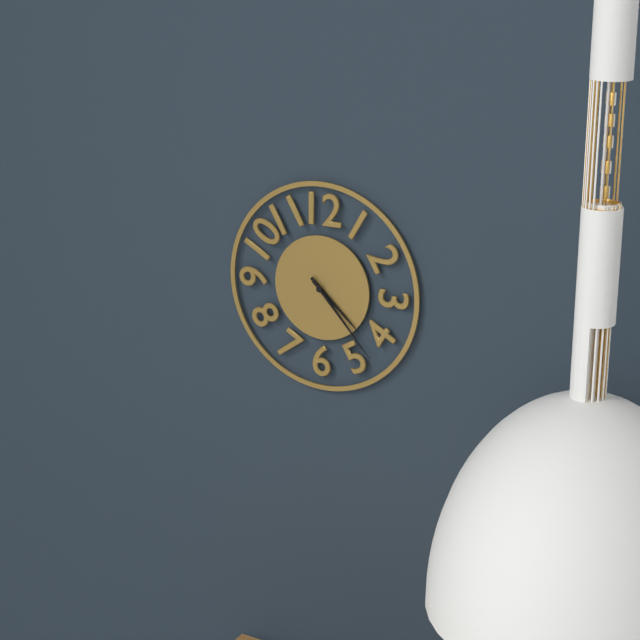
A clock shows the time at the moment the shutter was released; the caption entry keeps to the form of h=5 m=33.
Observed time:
h=4 m=23
